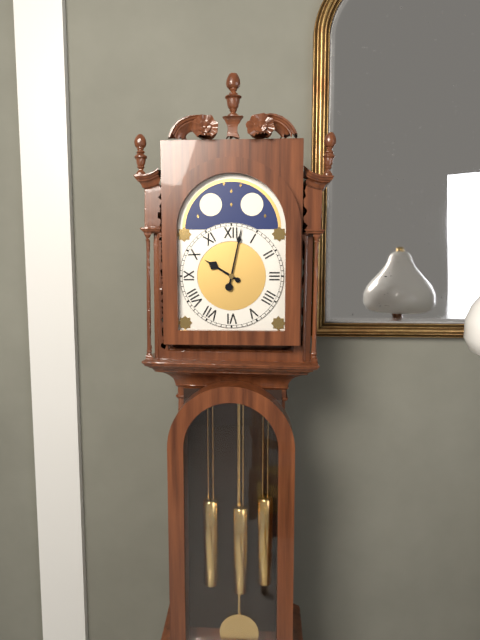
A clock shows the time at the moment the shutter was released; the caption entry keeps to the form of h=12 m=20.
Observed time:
h=10 m=2
